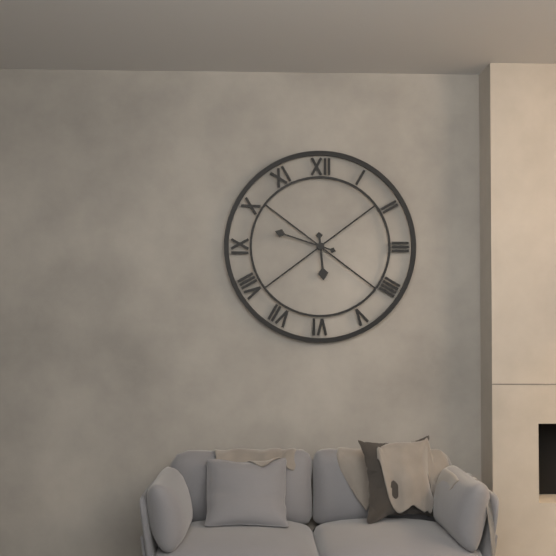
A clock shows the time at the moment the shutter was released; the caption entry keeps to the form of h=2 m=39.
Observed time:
h=5 m=48
